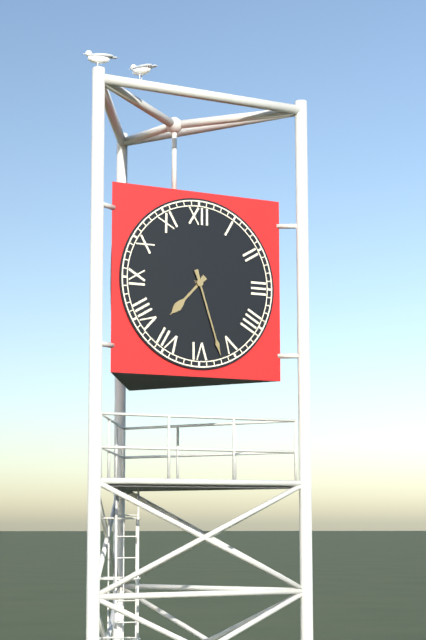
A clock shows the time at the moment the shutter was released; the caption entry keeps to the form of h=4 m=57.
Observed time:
h=7 m=27
